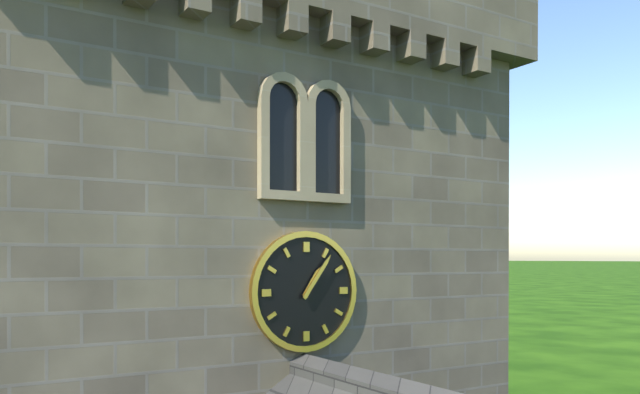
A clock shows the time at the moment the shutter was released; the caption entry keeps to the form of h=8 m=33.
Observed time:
h=1 m=6
